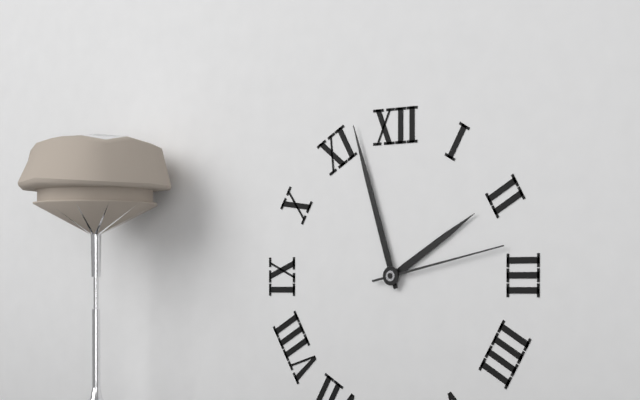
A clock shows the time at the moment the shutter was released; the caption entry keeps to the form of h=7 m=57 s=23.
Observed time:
h=1 m=57 s=13
